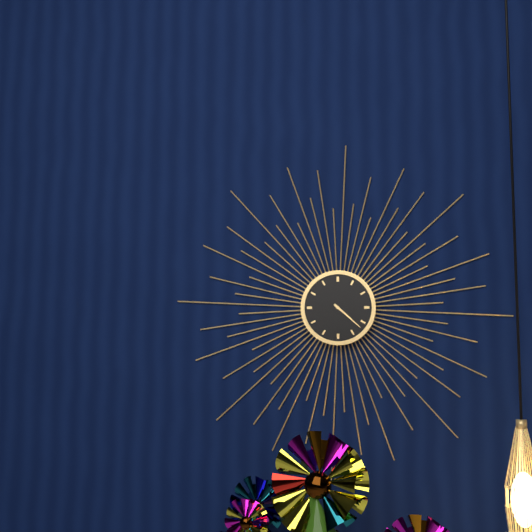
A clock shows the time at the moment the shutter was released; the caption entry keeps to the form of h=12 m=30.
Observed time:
h=4 m=22
